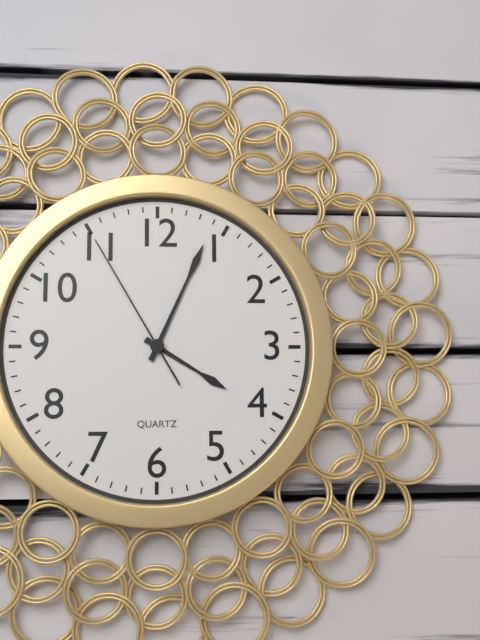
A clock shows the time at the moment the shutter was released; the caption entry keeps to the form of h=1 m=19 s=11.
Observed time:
h=4 m=4 s=55
